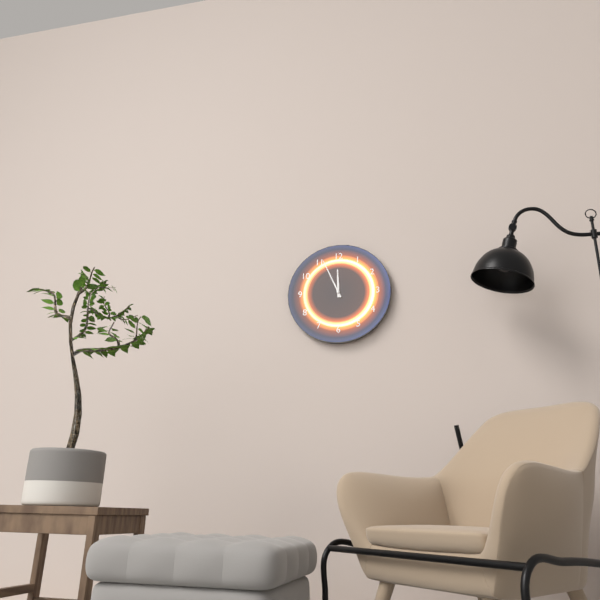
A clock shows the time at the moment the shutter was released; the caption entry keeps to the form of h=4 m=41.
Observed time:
h=11 m=56
